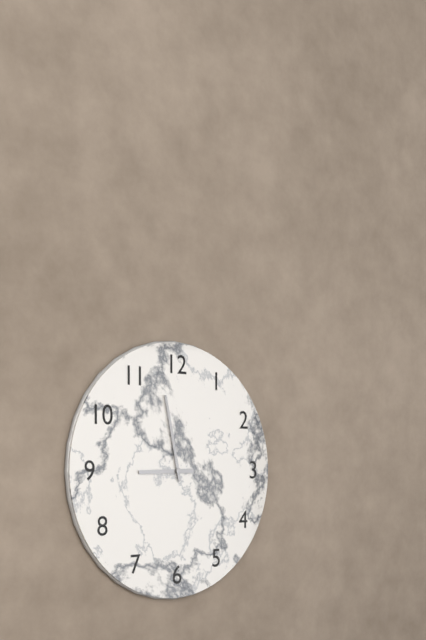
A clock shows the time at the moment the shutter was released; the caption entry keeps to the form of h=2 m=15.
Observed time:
h=8 m=58
